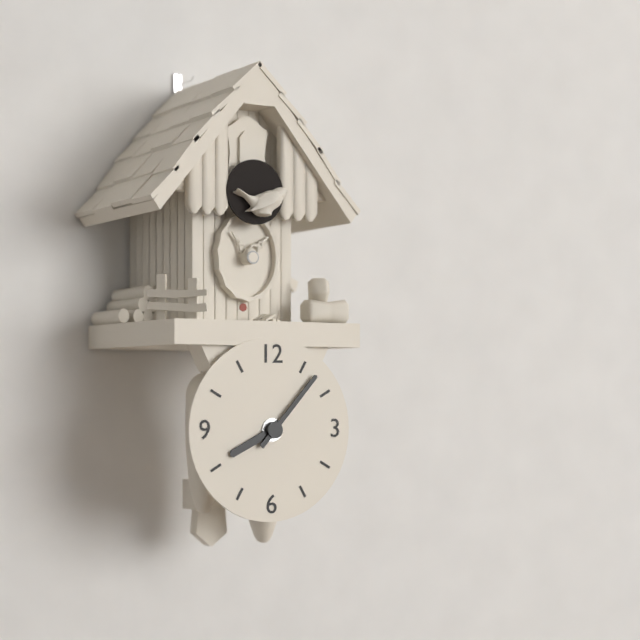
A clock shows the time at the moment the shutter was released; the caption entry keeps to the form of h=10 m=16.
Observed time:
h=8 m=7
